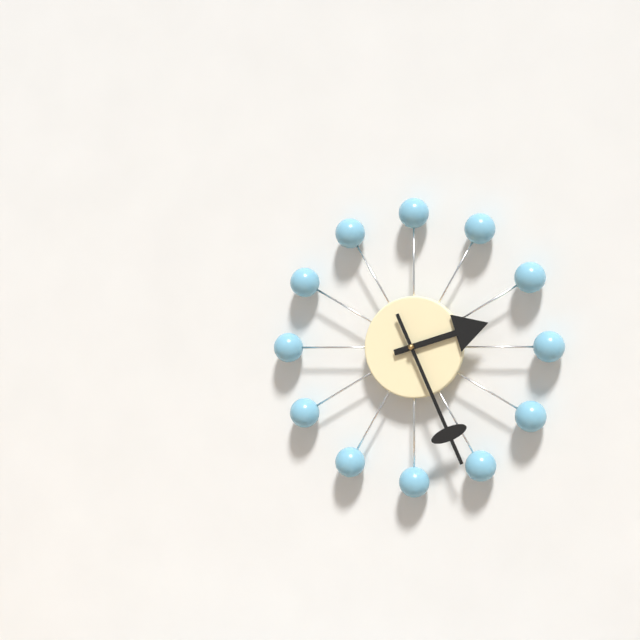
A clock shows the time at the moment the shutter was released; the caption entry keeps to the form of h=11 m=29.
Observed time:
h=2 m=26
